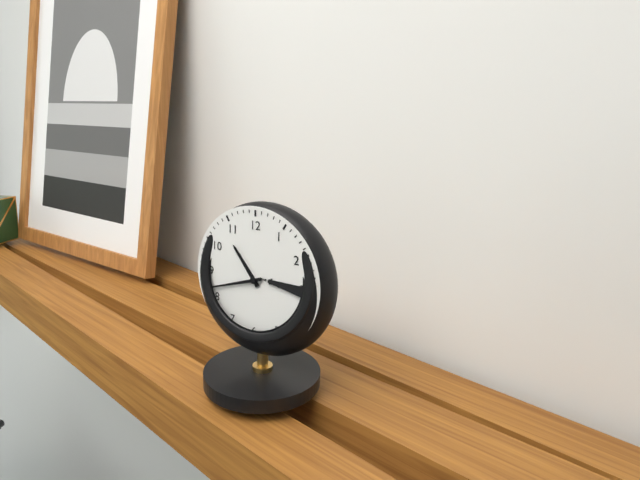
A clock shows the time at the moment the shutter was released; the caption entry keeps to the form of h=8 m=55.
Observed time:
h=10 m=42
